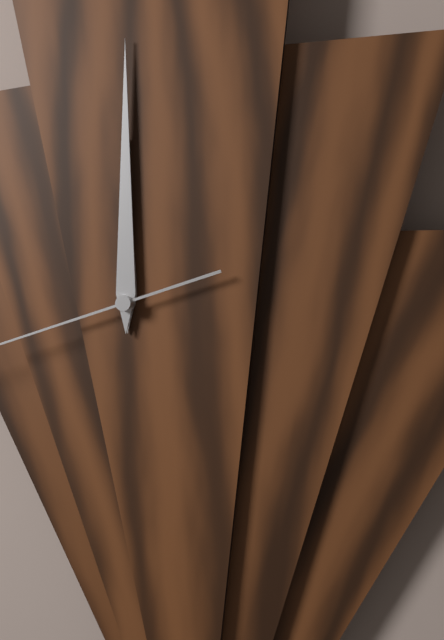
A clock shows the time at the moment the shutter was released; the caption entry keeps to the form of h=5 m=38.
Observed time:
h=12 m=0
